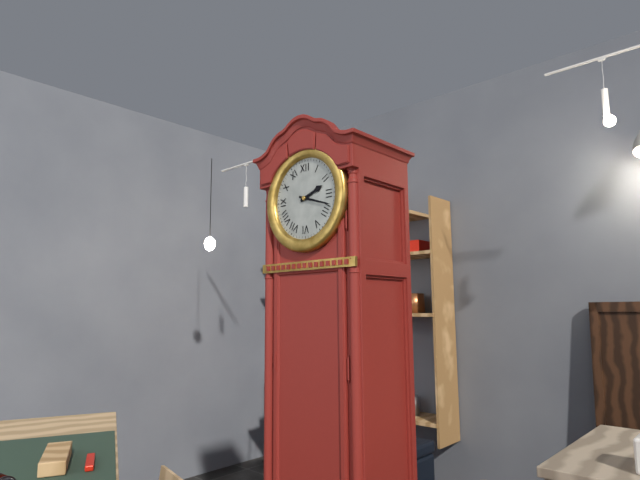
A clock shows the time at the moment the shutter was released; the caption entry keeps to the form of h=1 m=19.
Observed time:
h=2 m=18
